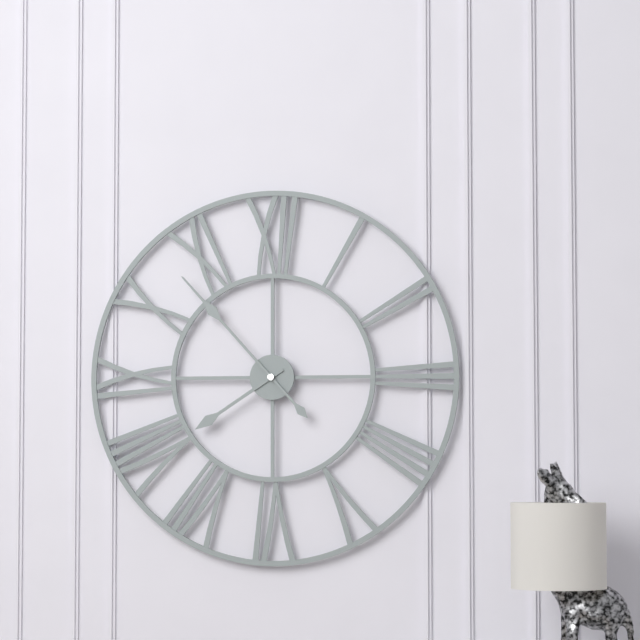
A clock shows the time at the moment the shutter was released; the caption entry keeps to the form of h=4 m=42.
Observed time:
h=7 m=53
